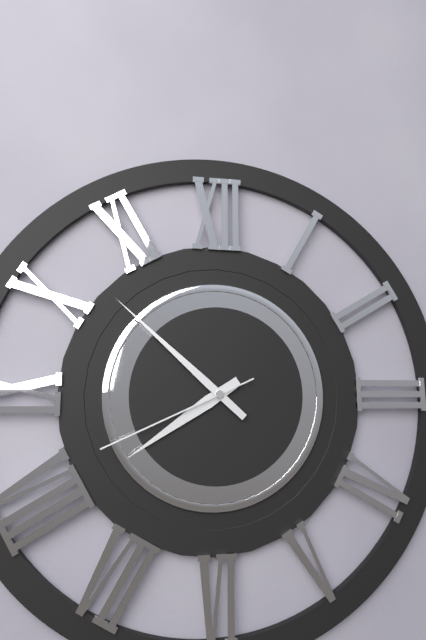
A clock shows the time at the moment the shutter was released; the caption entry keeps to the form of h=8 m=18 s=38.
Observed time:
h=7 m=52 s=41
